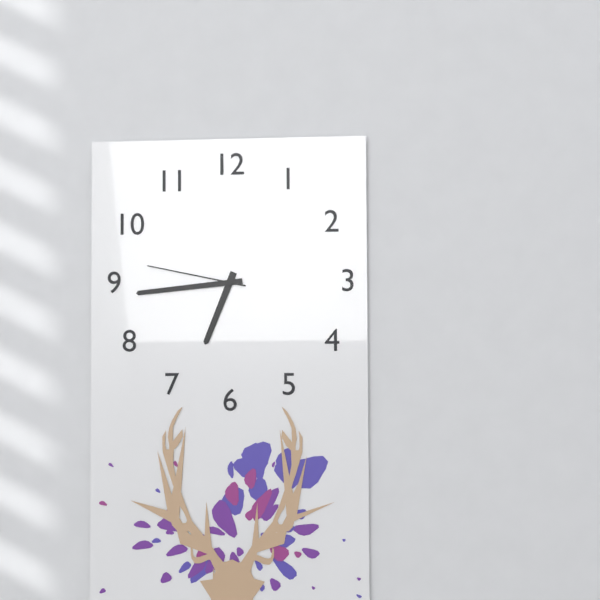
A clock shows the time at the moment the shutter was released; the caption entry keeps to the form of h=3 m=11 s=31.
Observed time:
h=6 m=44 s=47
